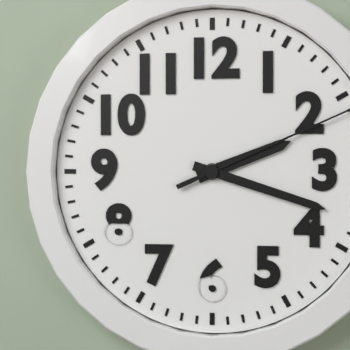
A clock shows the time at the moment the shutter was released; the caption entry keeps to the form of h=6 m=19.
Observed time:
h=2 m=18
